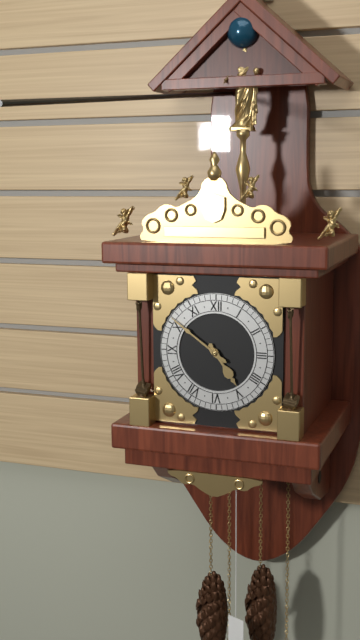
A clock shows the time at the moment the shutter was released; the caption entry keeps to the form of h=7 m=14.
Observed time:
h=4 m=51
